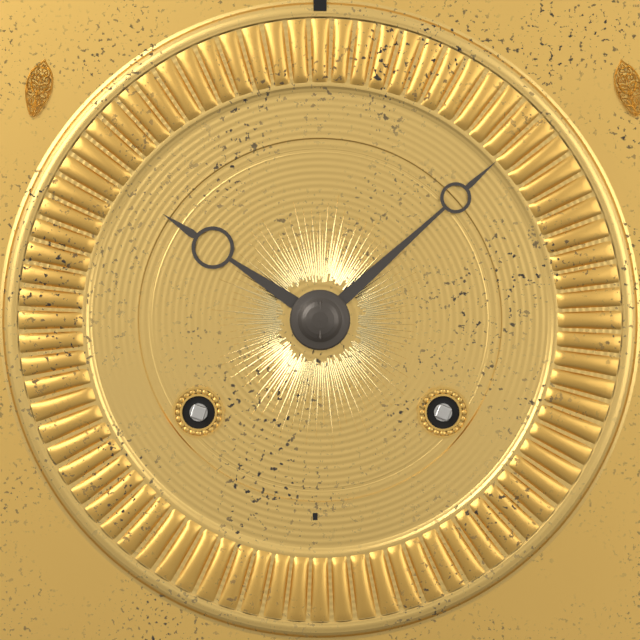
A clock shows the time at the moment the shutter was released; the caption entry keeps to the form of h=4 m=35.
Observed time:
h=10 m=8
